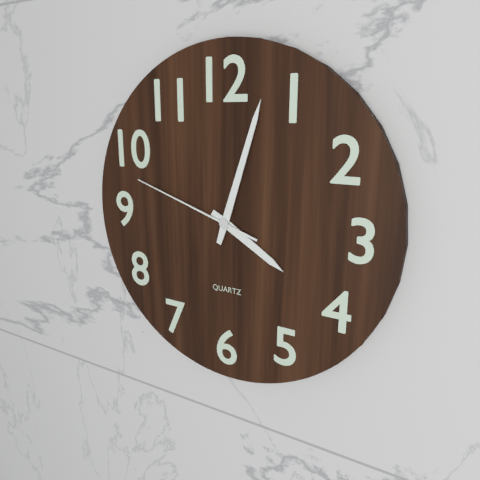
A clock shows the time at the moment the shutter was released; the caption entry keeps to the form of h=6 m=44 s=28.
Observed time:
h=4 m=3 s=48
